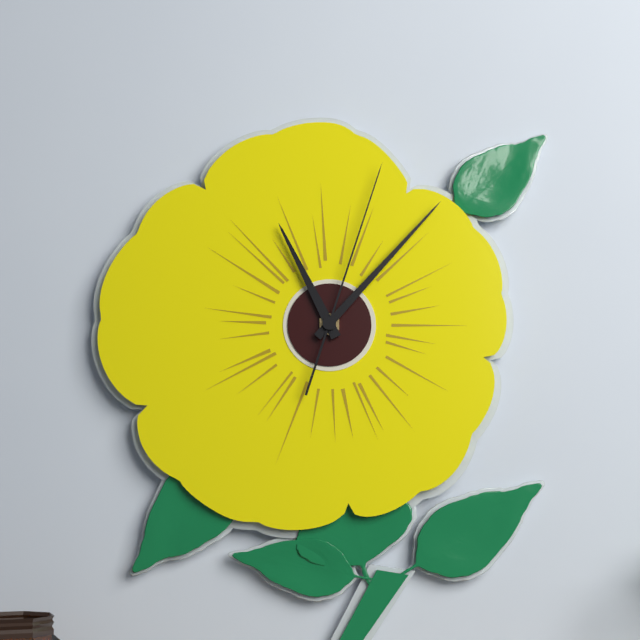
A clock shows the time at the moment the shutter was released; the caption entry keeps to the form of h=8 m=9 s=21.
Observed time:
h=11 m=7 s=3
